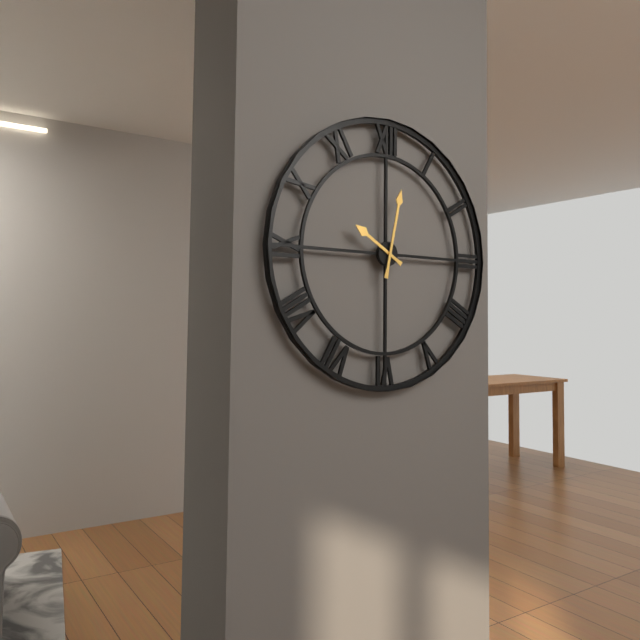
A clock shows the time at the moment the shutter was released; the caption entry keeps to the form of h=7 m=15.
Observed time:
h=10 m=2
